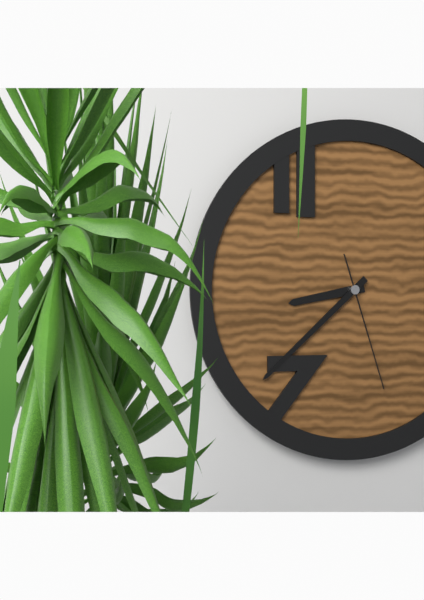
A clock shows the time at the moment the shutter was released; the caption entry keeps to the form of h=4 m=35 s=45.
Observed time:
h=8 m=38 s=27
